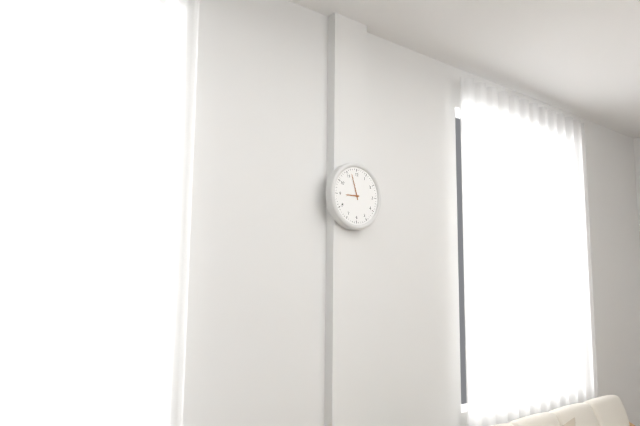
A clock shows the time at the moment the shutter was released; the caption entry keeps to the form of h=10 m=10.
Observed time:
h=8 m=57
